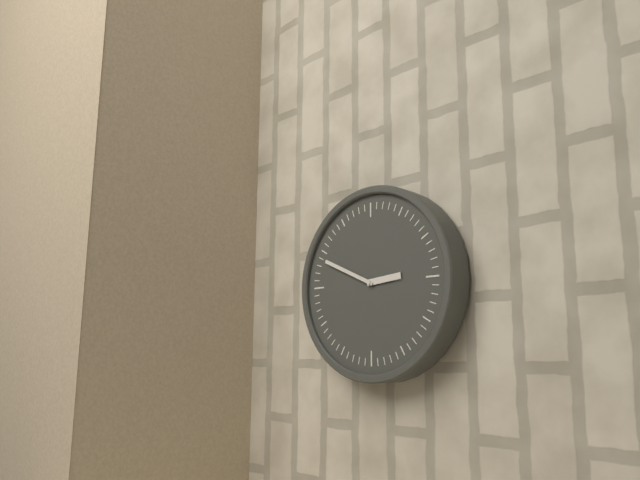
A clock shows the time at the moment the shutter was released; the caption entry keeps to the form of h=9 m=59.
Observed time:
h=2 m=49
